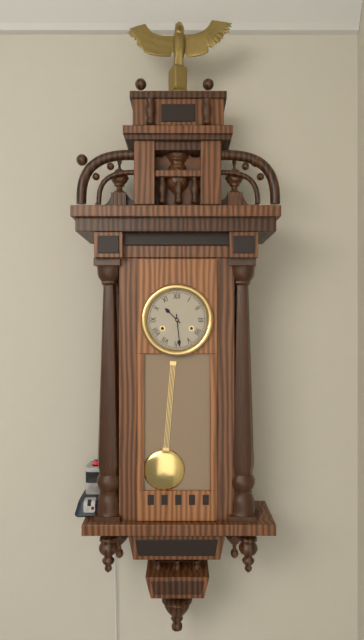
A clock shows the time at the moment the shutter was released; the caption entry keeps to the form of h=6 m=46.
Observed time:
h=10 m=29
